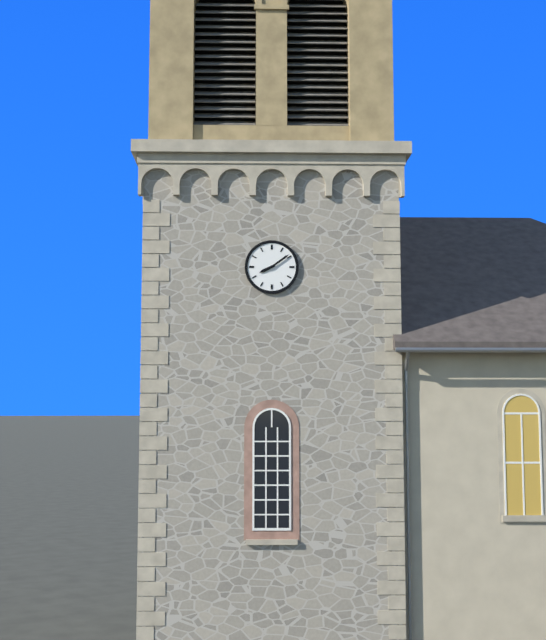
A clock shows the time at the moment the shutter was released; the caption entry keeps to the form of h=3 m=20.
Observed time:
h=8 m=9
